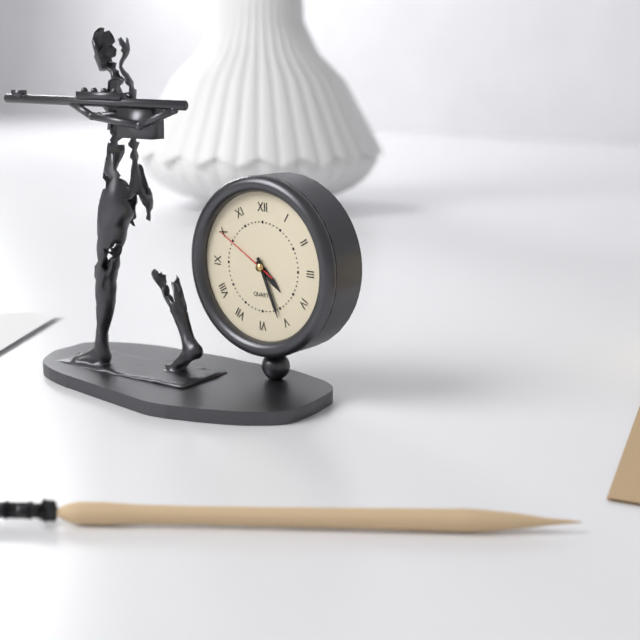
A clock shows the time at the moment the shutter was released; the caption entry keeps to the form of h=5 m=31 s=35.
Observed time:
h=4 m=26 s=50
